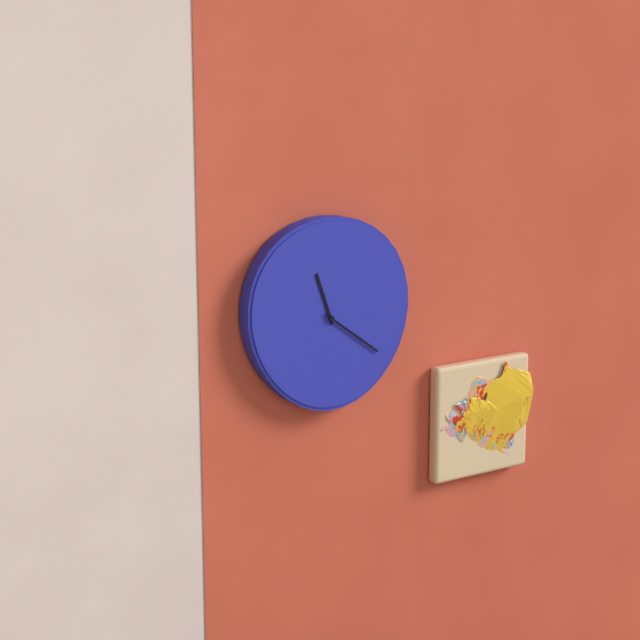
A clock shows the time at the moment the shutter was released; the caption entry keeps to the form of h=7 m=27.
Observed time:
h=11 m=21
